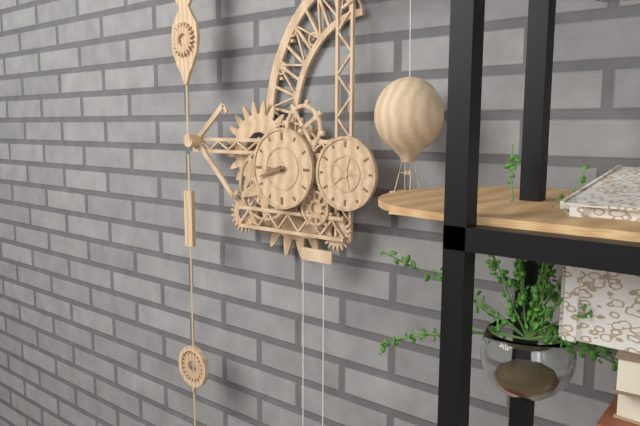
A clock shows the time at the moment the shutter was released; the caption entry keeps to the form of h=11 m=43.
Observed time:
h=8 m=42
